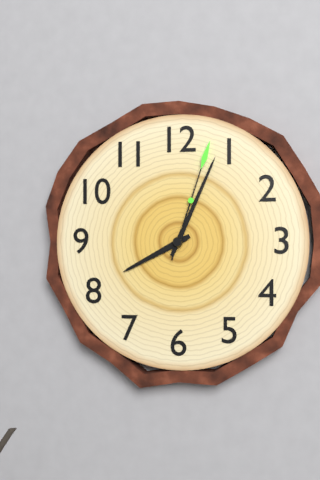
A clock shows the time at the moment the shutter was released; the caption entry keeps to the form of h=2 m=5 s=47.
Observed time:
h=8 m=4 s=3
